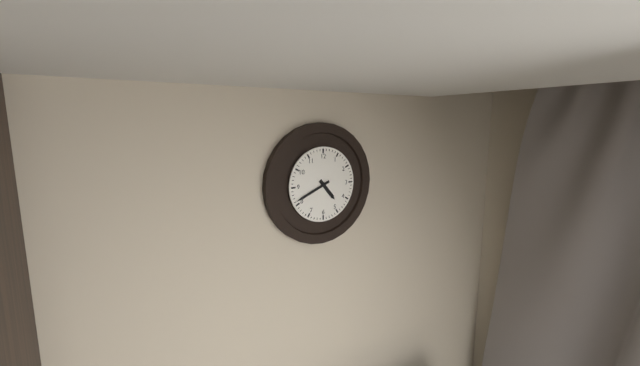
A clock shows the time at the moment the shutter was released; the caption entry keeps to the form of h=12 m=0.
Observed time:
h=4 m=41
